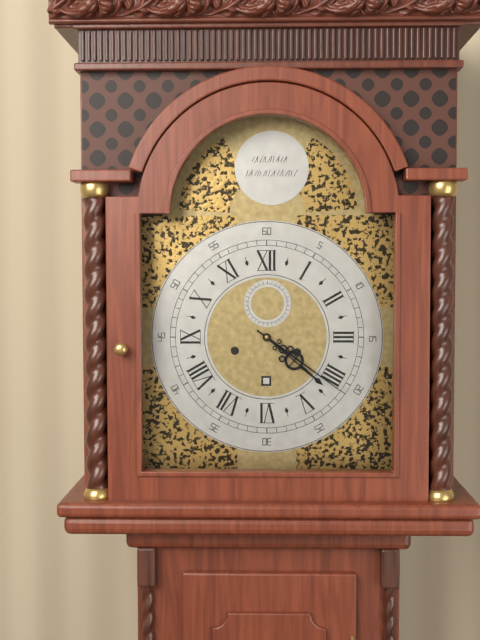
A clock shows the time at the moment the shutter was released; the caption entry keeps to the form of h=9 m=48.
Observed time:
h=4 m=21
